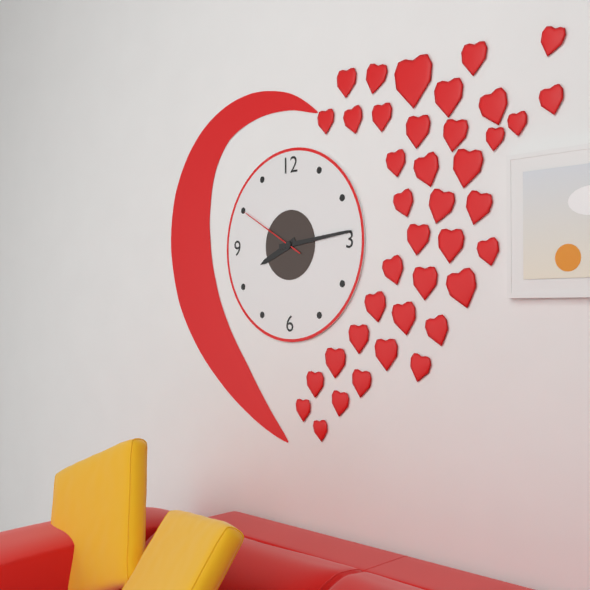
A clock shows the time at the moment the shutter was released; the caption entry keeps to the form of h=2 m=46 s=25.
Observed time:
h=8 m=14 s=50
